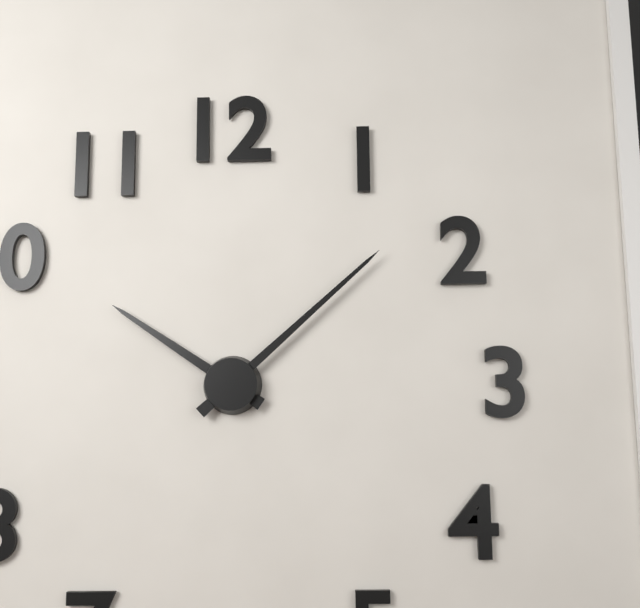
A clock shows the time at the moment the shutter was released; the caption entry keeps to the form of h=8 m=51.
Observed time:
h=10 m=8
